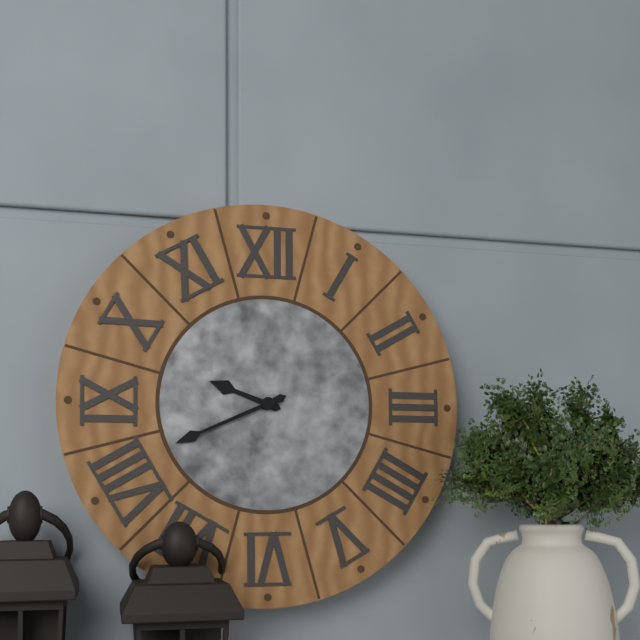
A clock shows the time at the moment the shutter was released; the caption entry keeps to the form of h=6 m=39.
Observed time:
h=9 m=41
